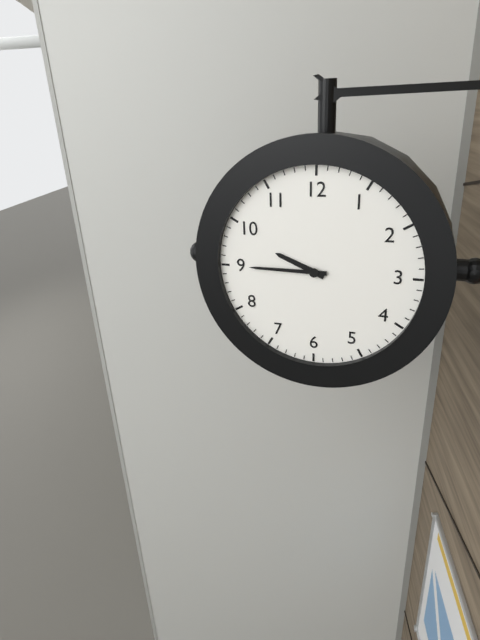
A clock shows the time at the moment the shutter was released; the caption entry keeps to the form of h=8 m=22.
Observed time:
h=9 m=45
